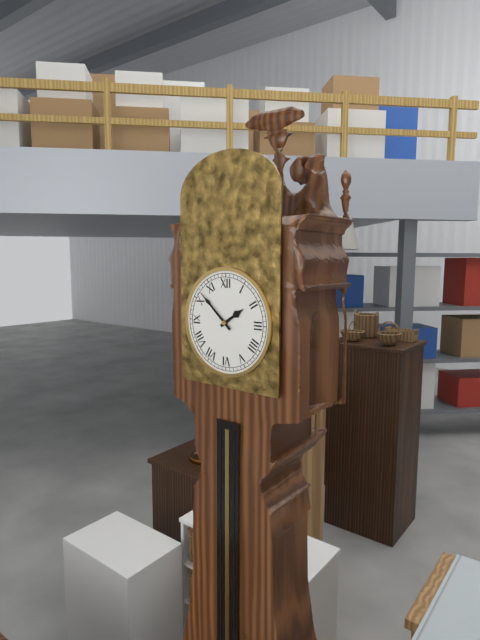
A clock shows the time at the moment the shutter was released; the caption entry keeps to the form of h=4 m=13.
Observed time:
h=1 m=52
